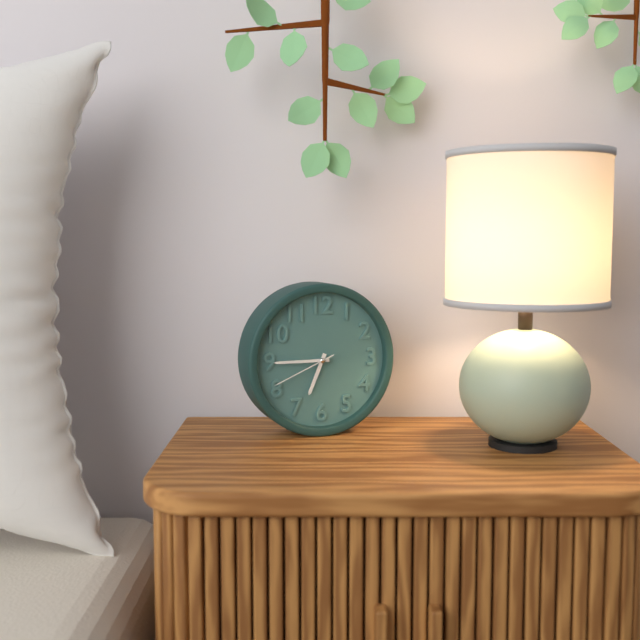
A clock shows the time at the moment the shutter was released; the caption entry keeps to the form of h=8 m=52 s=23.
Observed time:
h=6 m=45 s=41
